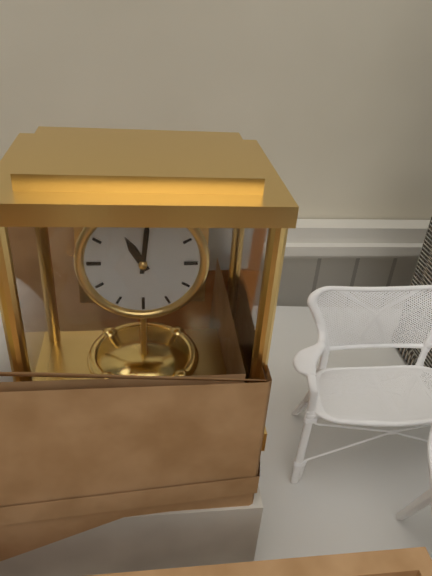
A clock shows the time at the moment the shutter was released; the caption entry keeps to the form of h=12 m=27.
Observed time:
h=11 m=1
